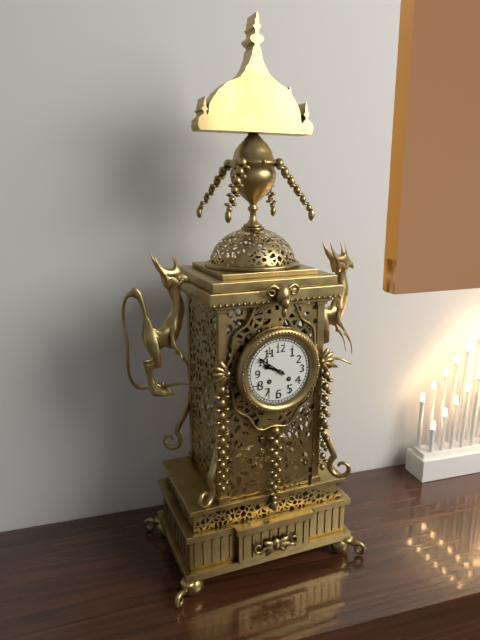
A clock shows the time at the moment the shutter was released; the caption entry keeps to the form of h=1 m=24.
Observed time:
h=9 m=51
